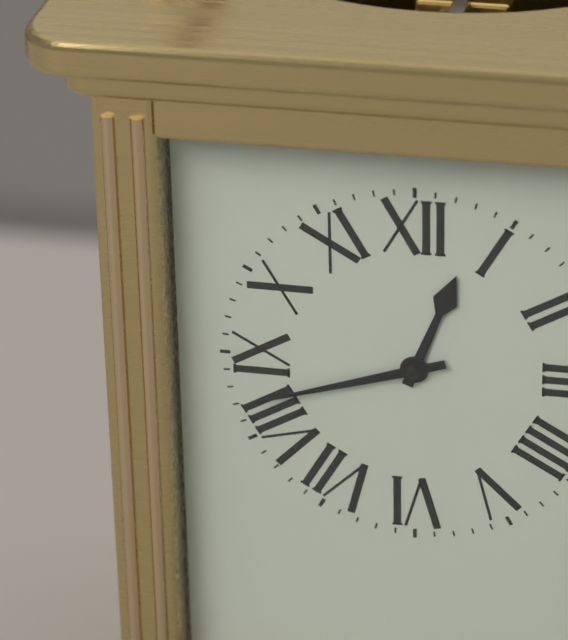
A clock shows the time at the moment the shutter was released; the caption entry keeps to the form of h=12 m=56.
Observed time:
h=12 m=42
